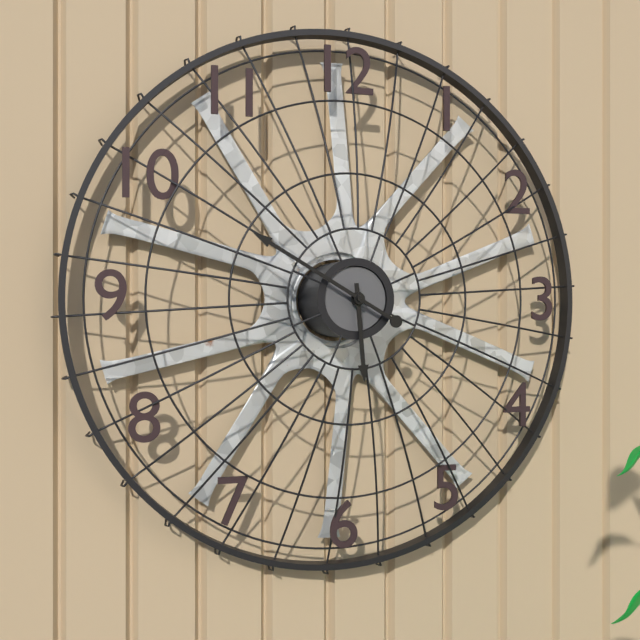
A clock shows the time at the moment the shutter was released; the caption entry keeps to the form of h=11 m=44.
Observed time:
h=5 m=50
